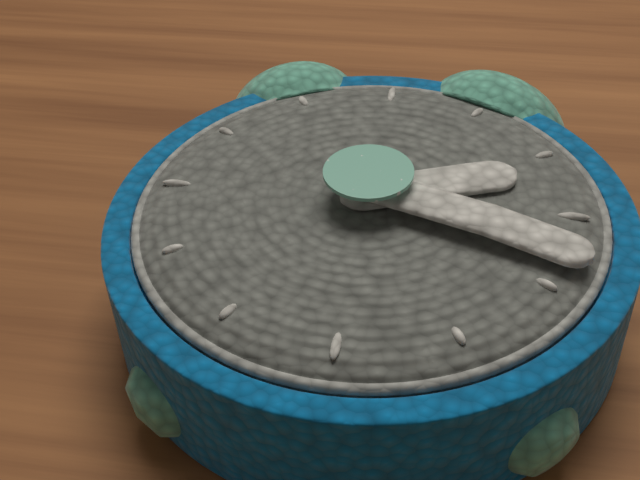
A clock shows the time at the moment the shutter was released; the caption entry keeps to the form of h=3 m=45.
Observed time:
h=2 m=18
